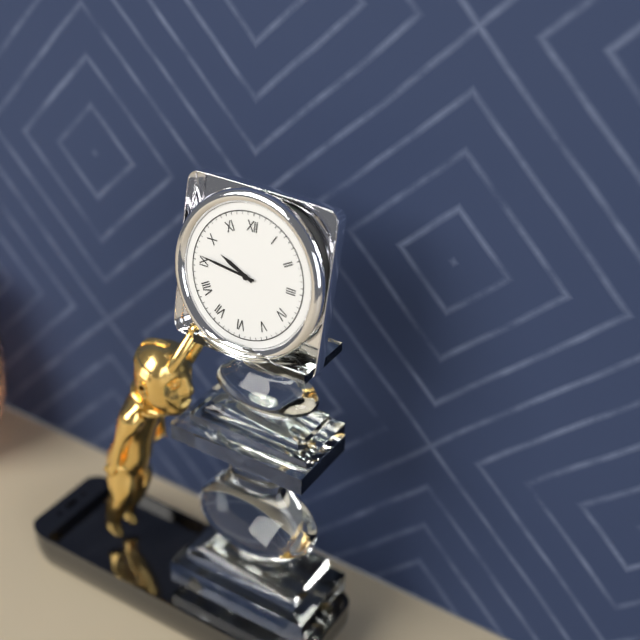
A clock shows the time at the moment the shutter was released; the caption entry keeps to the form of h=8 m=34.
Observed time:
h=9 m=46
